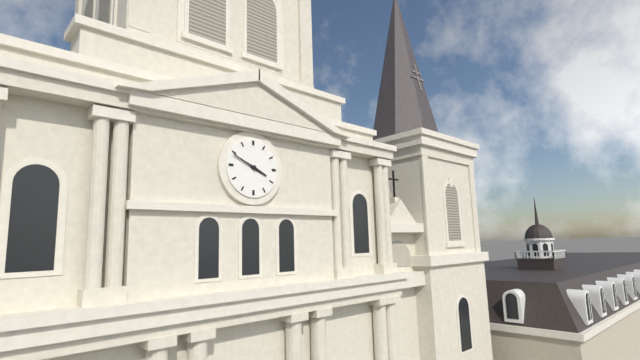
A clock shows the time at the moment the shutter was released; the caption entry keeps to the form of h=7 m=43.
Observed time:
h=3 m=49
